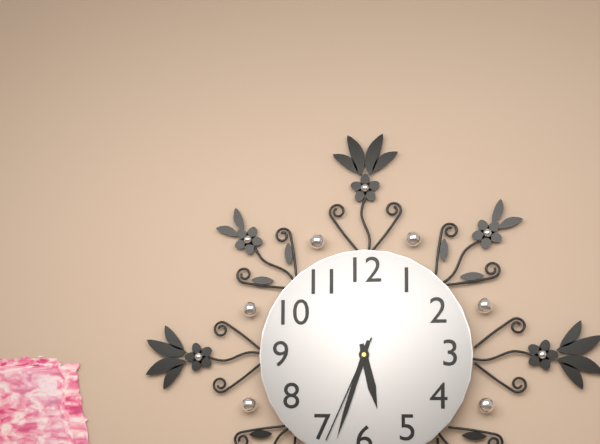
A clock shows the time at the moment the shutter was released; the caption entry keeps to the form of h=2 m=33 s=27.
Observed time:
h=5 m=33 s=34
